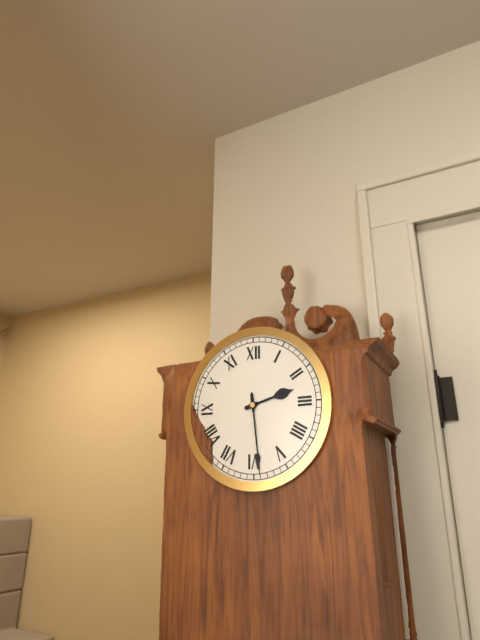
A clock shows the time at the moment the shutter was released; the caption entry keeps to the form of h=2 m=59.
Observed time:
h=2 m=29
